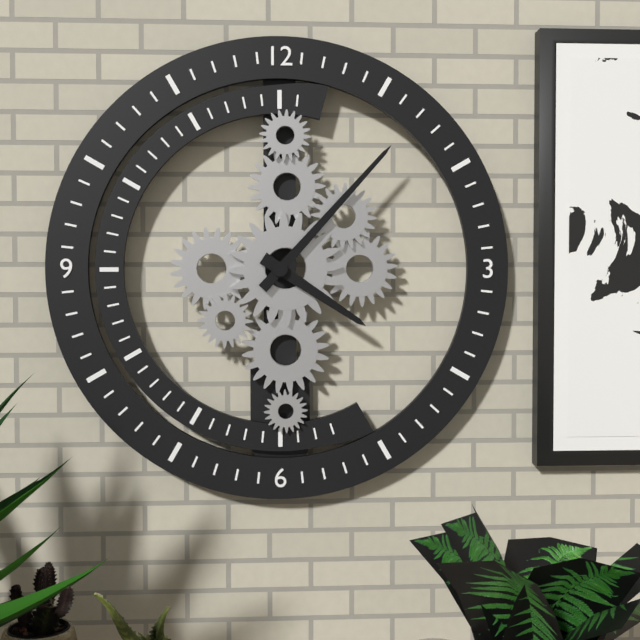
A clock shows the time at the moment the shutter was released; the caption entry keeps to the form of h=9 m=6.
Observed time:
h=4 m=7
